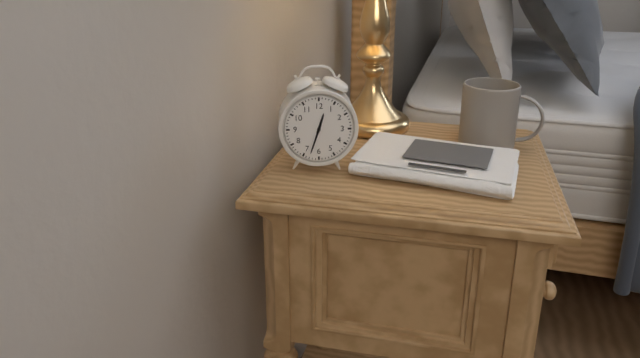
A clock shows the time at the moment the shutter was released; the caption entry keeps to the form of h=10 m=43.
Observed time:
h=12 m=33
